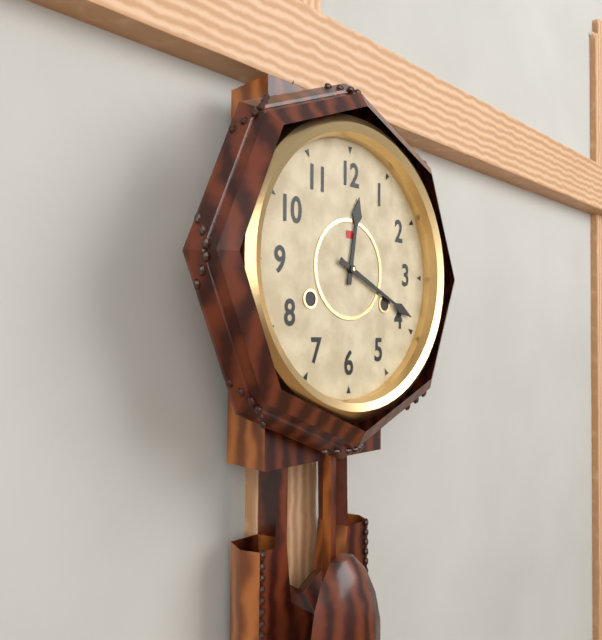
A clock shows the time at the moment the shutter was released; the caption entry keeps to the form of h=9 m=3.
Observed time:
h=12 m=19
